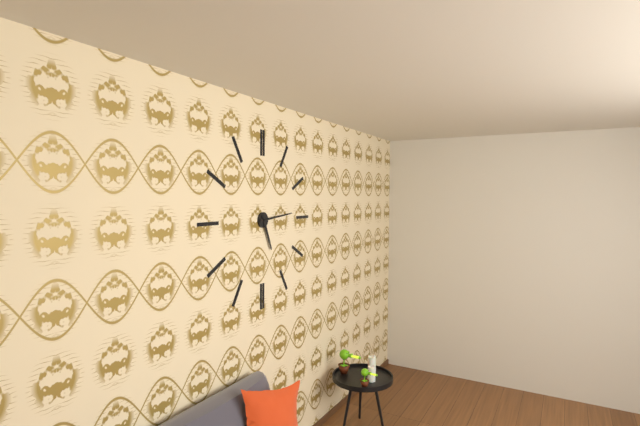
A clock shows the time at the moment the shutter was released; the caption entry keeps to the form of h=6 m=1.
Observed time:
h=5 m=14
